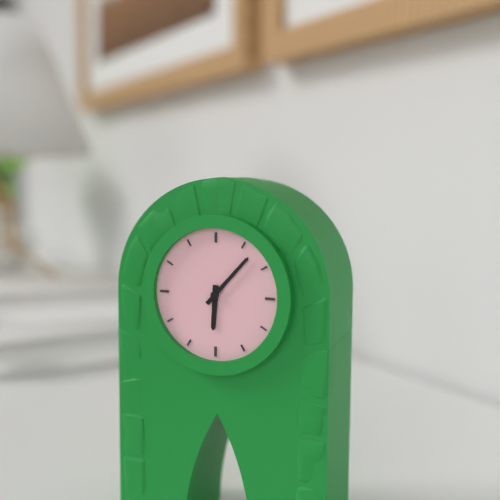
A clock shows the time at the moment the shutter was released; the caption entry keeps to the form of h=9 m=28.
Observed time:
h=6 m=7
